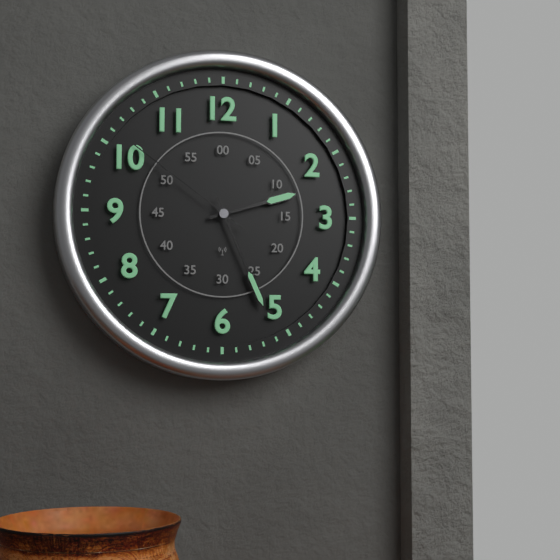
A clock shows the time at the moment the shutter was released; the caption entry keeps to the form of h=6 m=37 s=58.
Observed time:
h=2 m=26 s=51
